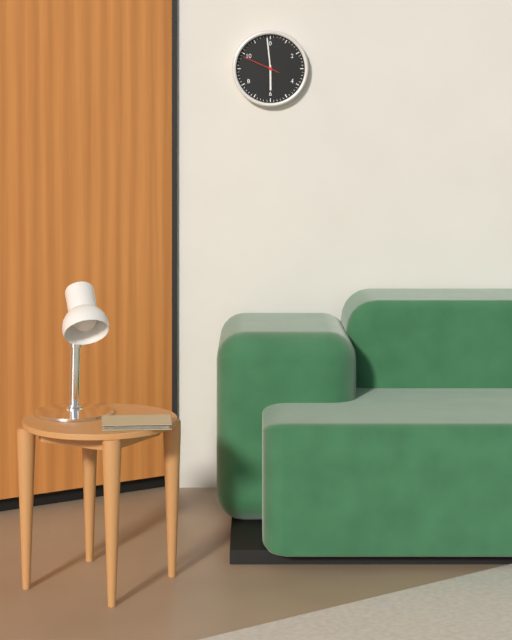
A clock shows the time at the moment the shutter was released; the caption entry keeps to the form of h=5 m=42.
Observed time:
h=5 m=59
